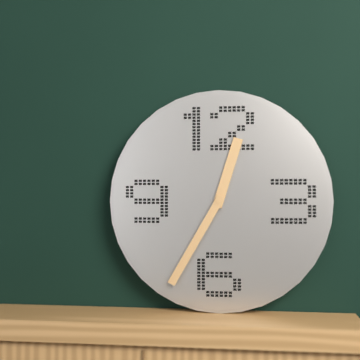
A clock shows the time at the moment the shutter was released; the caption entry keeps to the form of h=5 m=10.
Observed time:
h=12 m=35
